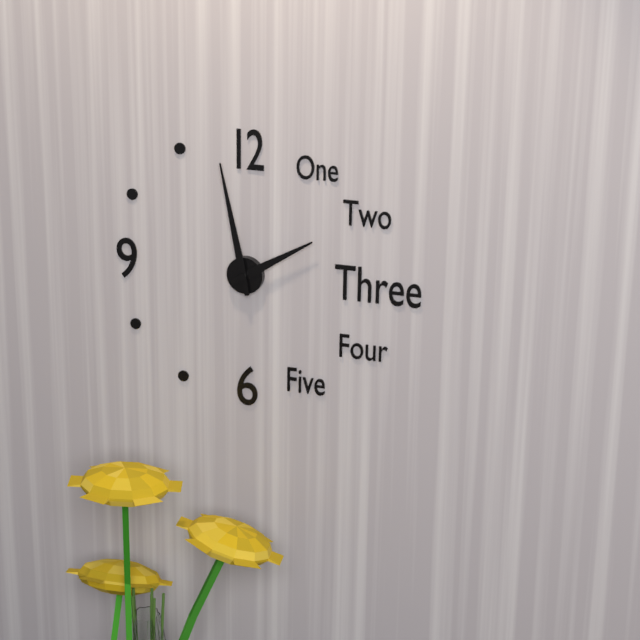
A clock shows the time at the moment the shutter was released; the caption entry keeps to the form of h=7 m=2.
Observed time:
h=1 m=58
